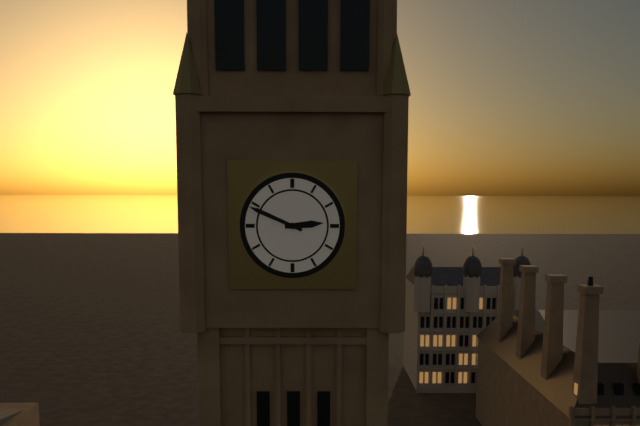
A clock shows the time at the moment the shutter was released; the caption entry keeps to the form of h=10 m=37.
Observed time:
h=2 m=49
